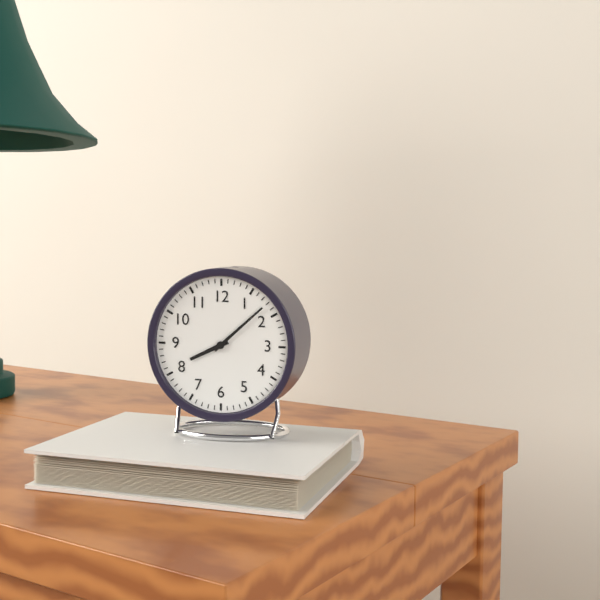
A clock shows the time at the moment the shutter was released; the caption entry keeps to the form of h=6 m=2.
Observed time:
h=8 m=8
